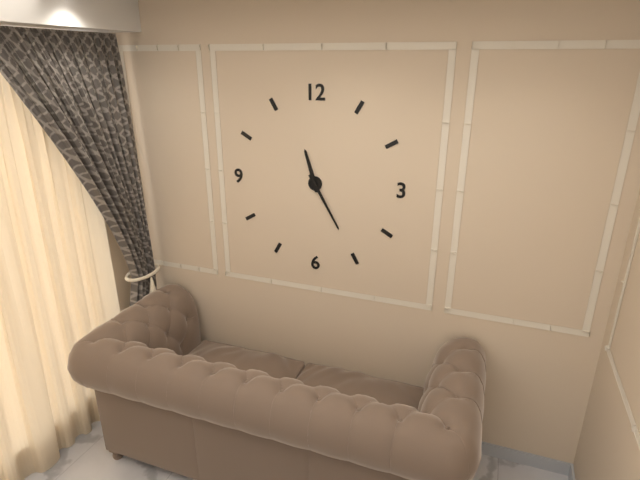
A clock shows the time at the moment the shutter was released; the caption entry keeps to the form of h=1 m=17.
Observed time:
h=11 m=25
